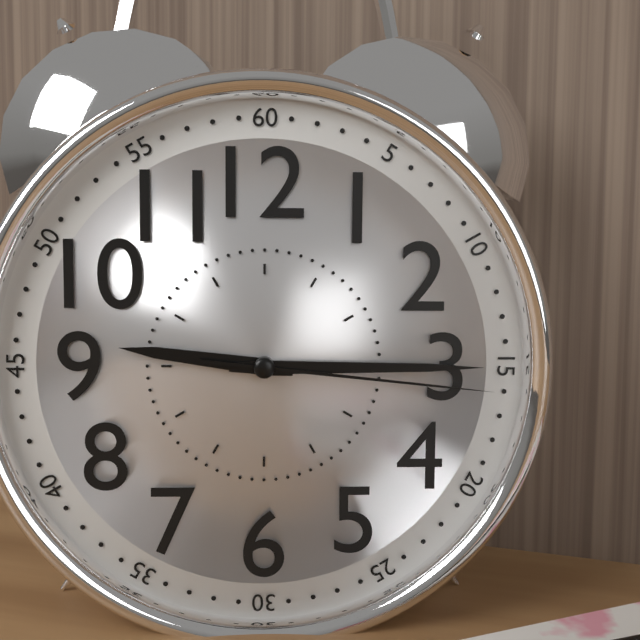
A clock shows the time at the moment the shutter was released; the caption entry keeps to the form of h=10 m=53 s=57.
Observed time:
h=9 m=15 s=16
